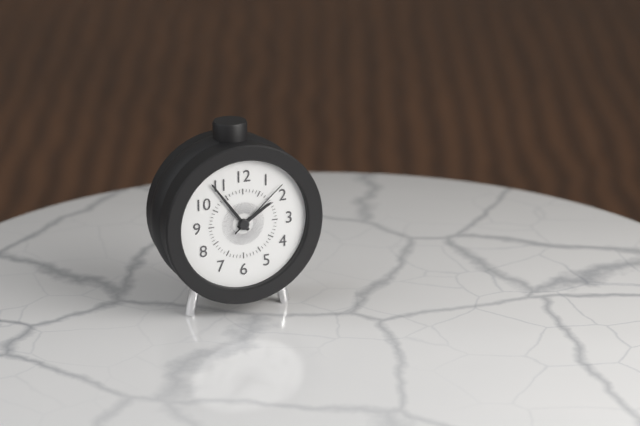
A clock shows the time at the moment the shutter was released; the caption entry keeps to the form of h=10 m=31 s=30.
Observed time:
h=1 m=54 s=8
